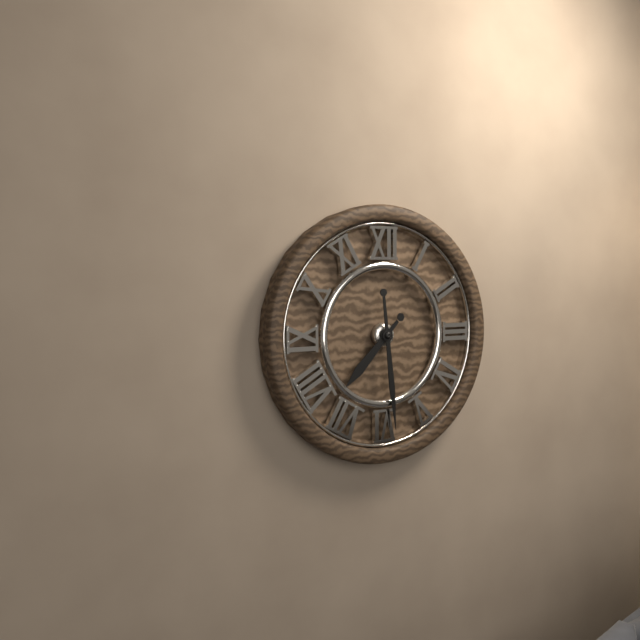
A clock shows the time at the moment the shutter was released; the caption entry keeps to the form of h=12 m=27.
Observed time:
h=7 m=29
